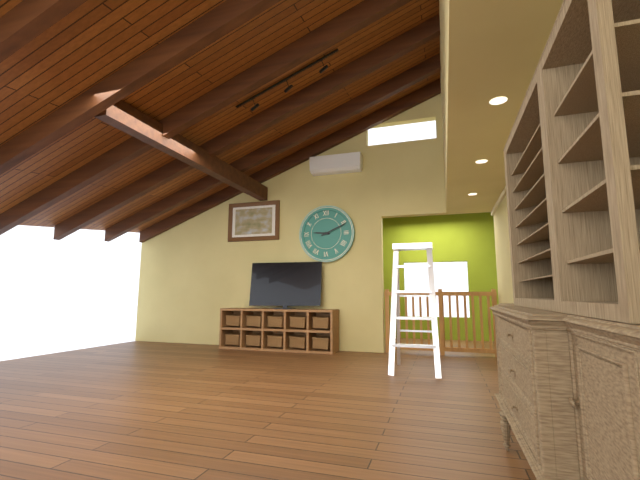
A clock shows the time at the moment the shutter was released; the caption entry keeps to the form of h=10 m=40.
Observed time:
h=9 m=11
